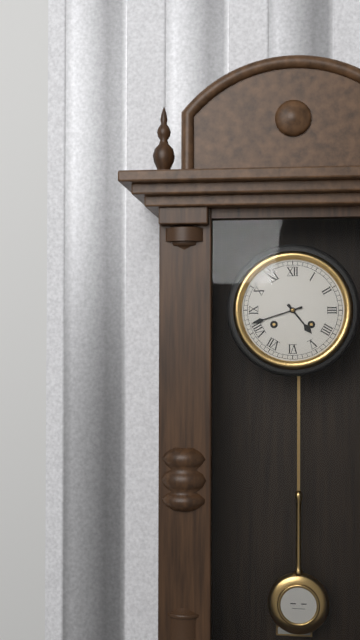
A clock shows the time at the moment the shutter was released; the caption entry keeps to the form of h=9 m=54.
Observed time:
h=4 m=42
